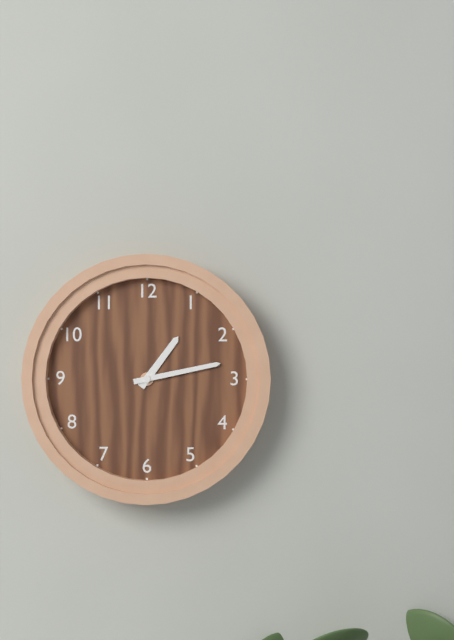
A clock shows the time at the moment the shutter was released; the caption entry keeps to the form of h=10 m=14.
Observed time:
h=1 m=13
